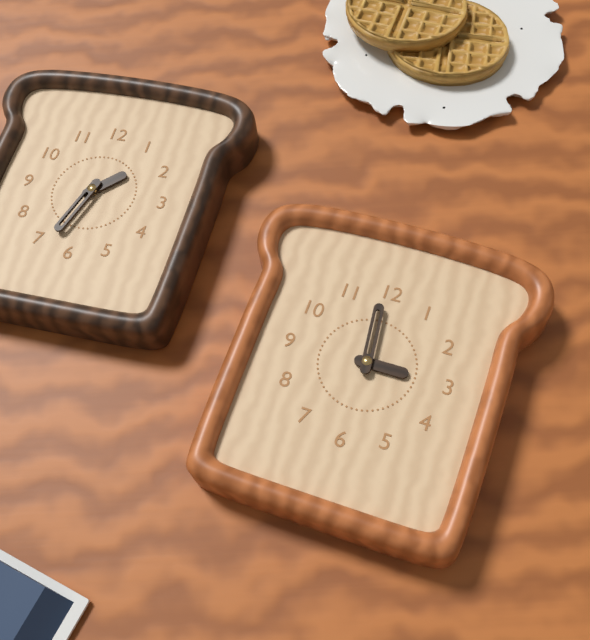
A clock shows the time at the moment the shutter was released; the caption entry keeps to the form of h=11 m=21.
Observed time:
h=2 m=59
